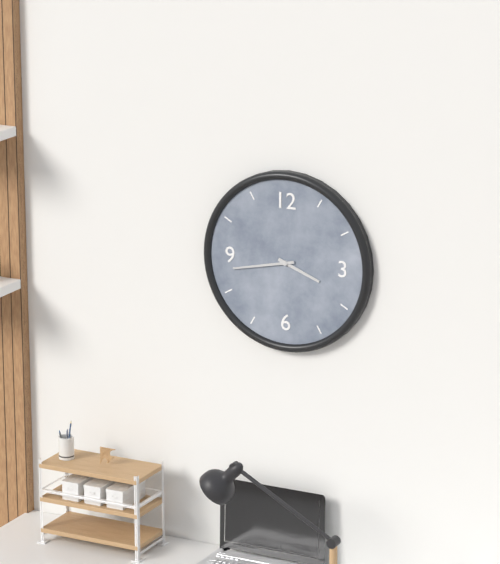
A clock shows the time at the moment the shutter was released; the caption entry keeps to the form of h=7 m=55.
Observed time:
h=3 m=43
